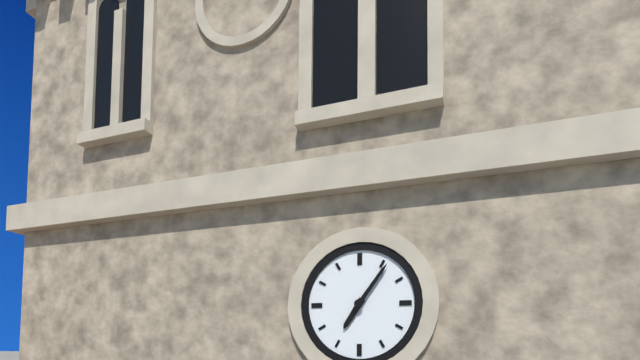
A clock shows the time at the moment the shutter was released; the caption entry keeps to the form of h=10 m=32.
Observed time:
h=7 m=6
